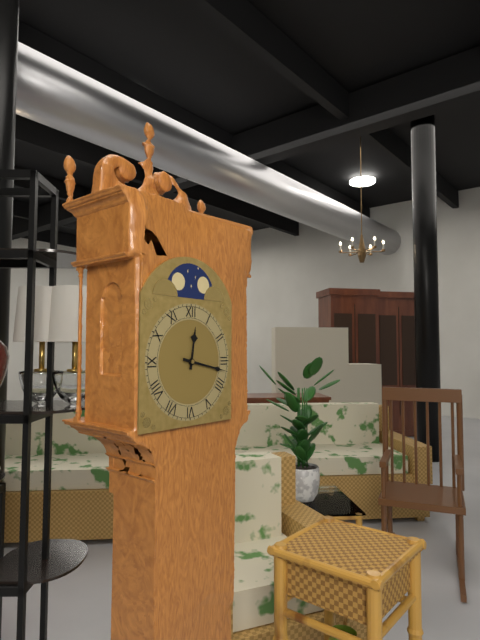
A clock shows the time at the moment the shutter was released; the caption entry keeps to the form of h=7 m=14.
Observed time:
h=12 m=17
